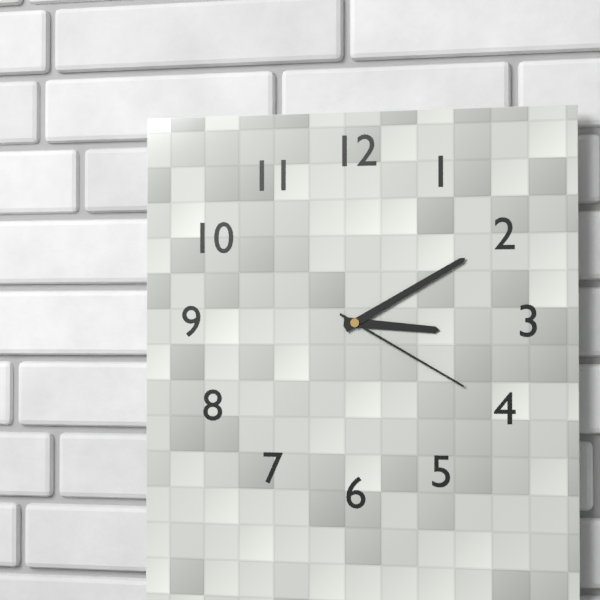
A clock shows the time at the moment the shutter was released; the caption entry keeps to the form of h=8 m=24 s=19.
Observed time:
h=3 m=10 s=20
